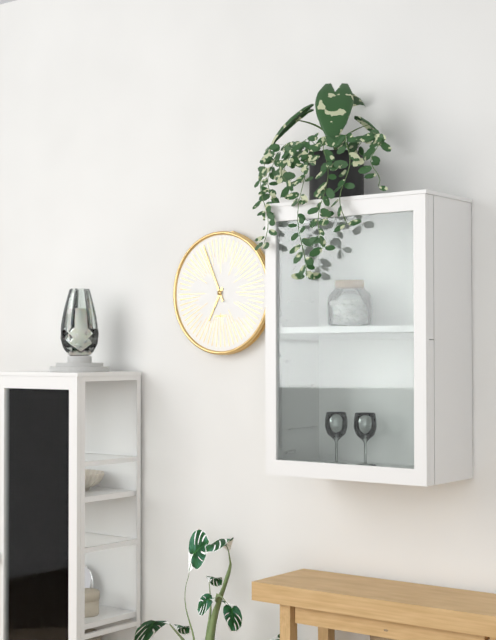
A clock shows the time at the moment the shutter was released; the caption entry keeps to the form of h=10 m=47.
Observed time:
h=6 m=56
